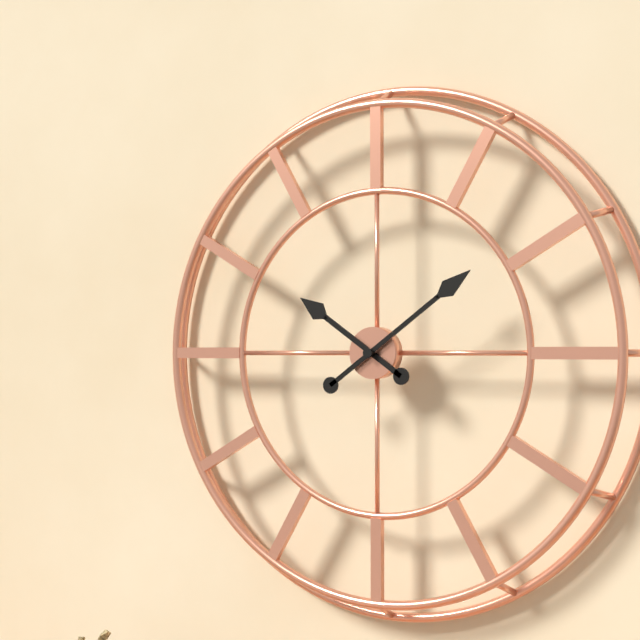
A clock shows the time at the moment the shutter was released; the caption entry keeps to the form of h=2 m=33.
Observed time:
h=10 m=9
